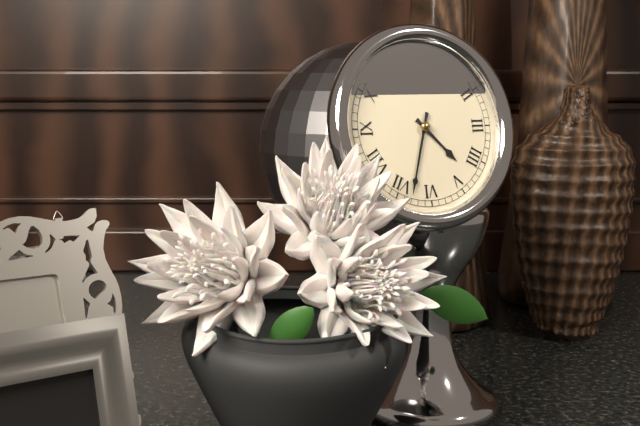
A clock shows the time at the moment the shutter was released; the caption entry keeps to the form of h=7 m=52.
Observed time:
h=4 m=33
